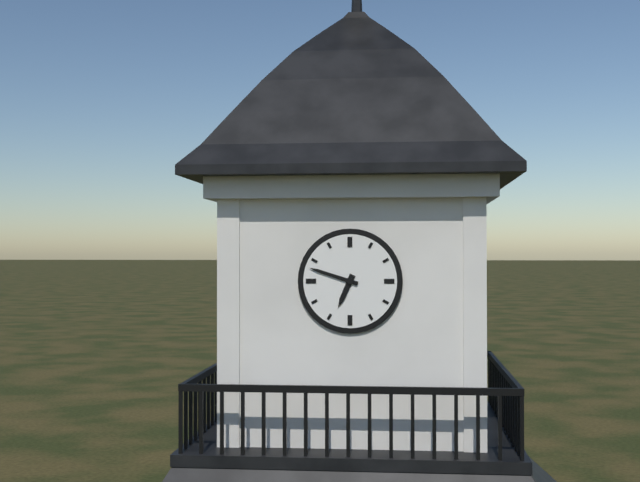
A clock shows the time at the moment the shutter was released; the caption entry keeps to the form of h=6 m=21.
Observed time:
h=6 m=48
